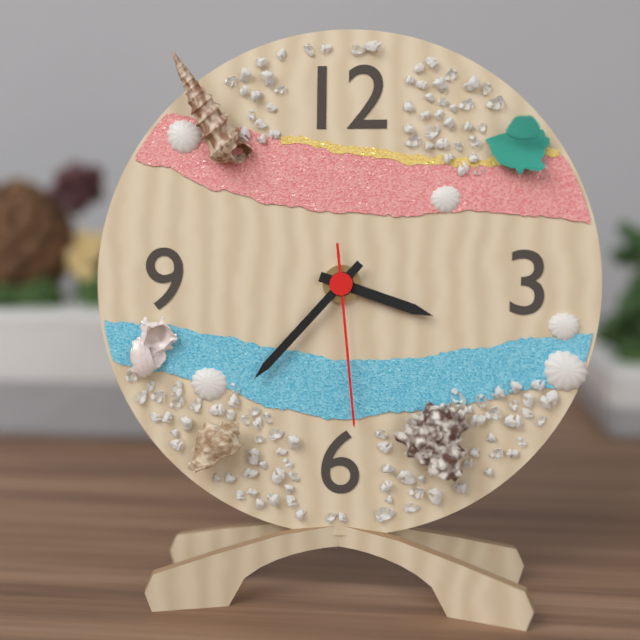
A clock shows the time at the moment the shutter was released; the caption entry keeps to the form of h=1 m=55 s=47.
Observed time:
h=3 m=37 s=29
